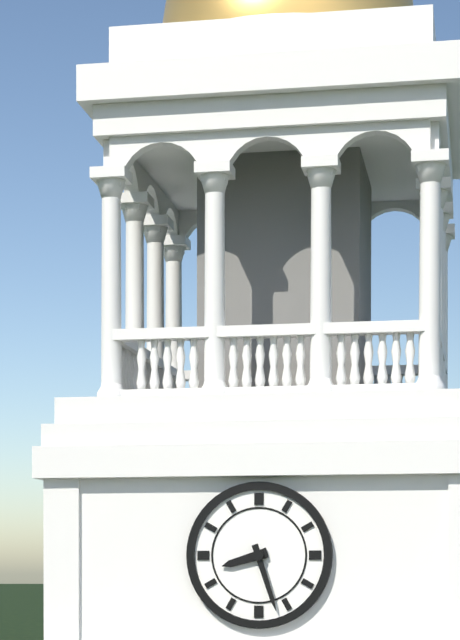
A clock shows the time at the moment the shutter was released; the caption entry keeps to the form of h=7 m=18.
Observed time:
h=8 m=27
